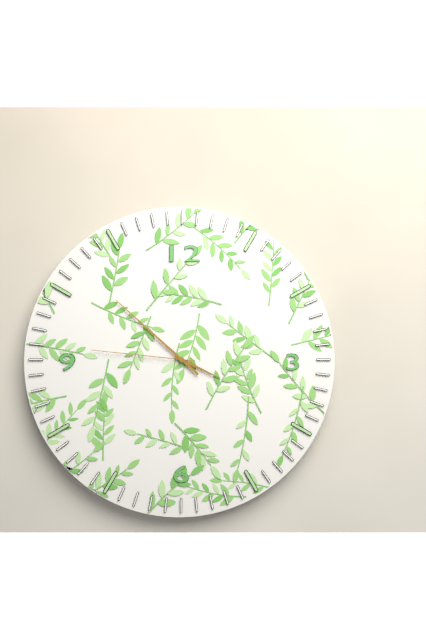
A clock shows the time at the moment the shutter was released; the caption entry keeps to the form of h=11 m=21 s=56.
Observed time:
h=3 m=52 s=46
